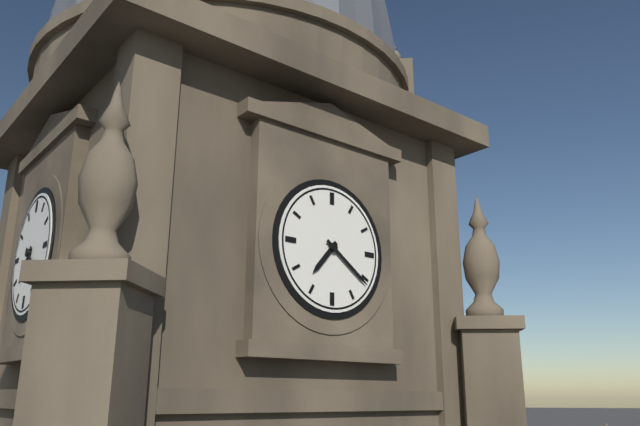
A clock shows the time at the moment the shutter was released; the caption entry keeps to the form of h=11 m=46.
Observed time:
h=7 m=21
